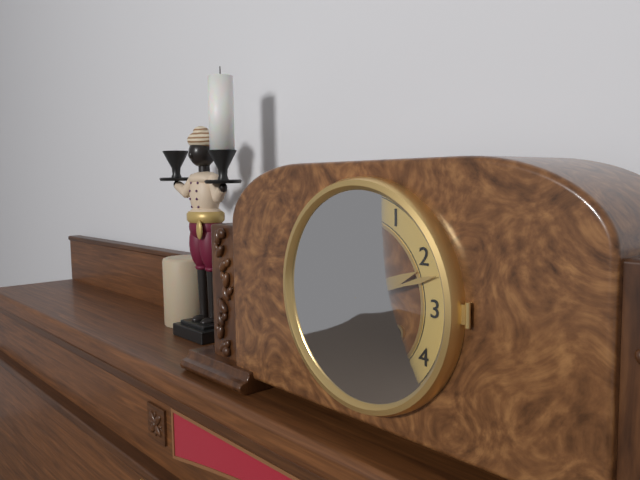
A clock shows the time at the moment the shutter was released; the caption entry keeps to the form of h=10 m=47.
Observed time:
h=2 m=12
